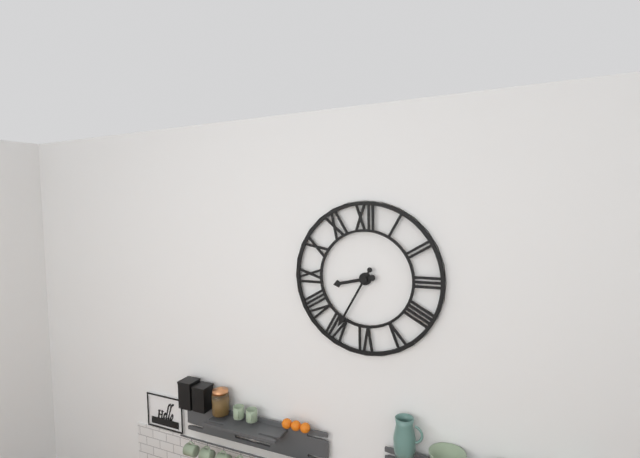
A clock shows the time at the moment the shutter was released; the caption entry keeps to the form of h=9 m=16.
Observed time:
h=8 m=35
